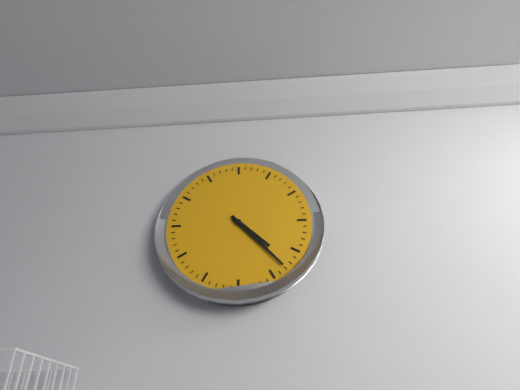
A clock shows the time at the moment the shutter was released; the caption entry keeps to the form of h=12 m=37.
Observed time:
h=4 m=23
